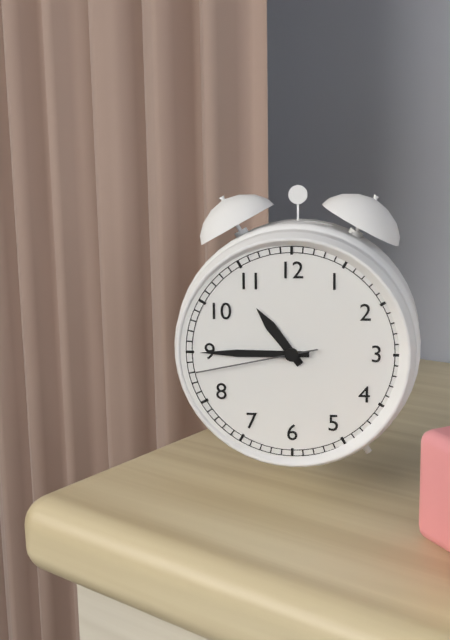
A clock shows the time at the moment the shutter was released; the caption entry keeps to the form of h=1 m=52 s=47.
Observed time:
h=10 m=45 s=43
